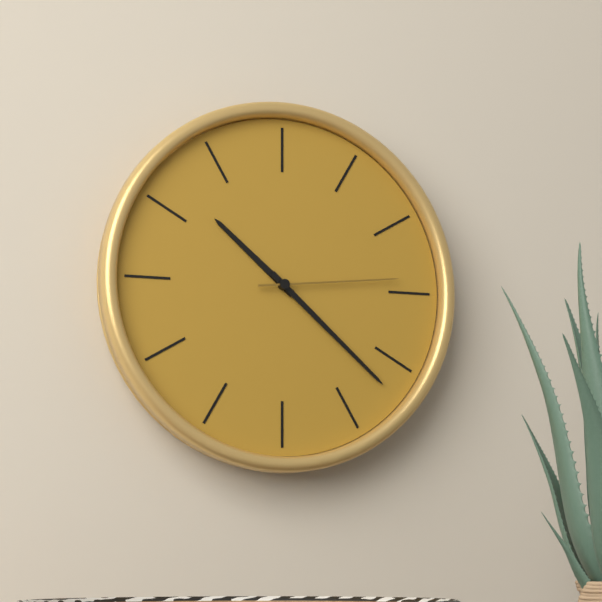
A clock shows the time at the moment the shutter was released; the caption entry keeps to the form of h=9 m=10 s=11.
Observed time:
h=10 m=22 s=14
